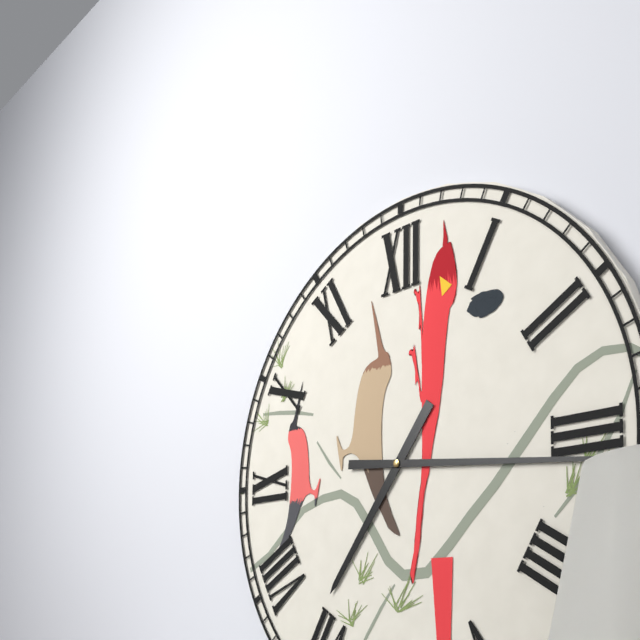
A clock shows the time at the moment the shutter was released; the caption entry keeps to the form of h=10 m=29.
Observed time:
h=7 m=16
